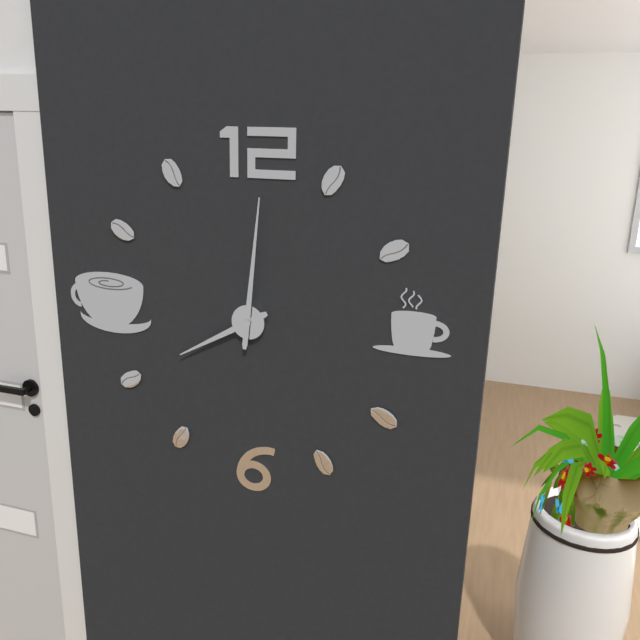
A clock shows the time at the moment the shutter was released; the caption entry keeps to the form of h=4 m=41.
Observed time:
h=8 m=1
